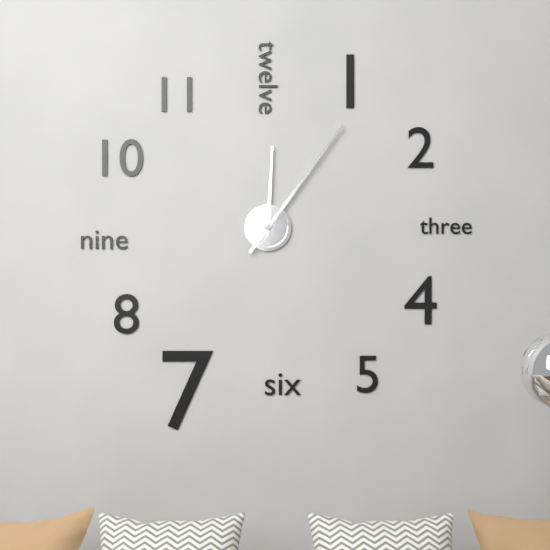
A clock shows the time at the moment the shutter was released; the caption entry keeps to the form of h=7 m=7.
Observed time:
h=12 m=6
